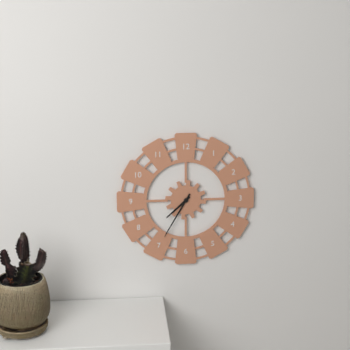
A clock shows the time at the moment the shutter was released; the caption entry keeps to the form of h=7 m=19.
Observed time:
h=7 m=35
